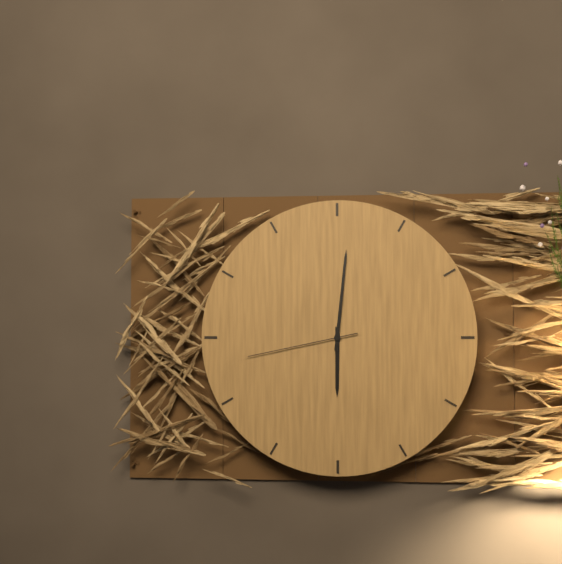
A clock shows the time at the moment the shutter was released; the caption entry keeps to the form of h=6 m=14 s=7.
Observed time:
h=6 m=1 s=43
